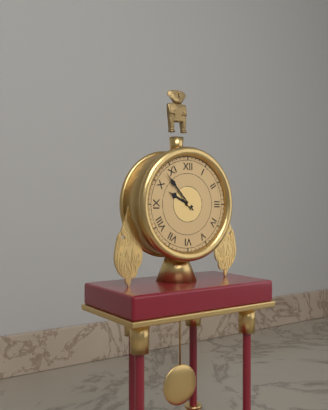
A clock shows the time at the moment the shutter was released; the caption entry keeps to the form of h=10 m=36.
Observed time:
h=9 m=53
